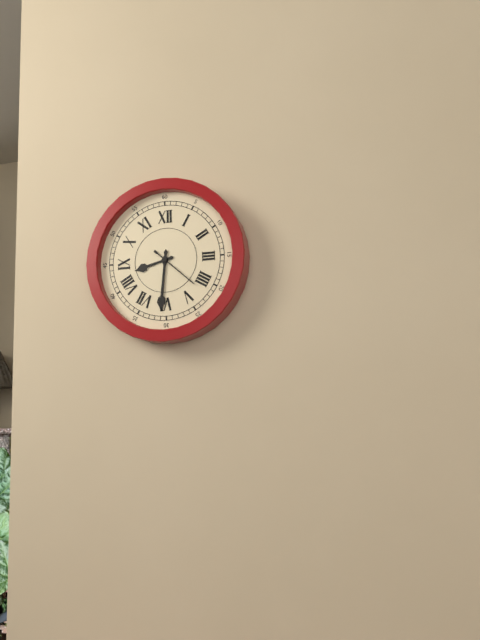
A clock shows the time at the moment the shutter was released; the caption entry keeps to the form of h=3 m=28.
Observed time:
h=8 m=31
